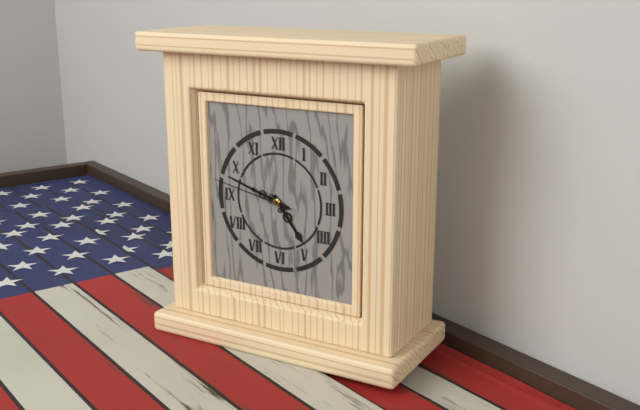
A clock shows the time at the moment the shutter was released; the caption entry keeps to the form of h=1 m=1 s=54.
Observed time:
h=4 m=48 s=47
